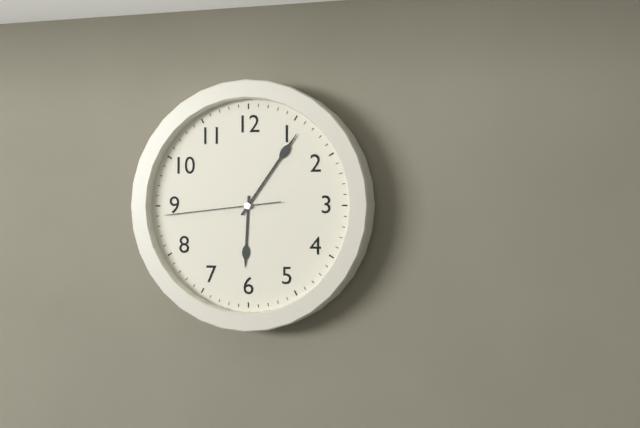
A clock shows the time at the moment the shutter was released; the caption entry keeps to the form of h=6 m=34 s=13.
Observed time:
h=6 m=6 s=44
